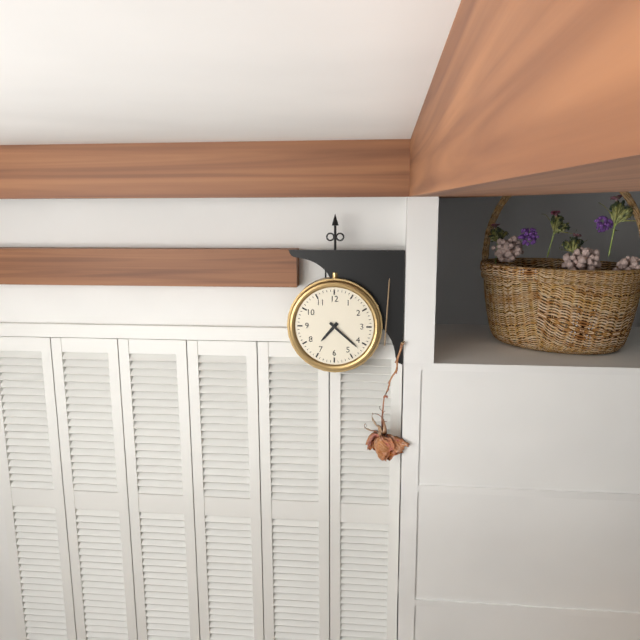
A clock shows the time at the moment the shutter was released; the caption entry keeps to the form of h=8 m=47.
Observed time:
h=7 m=22
